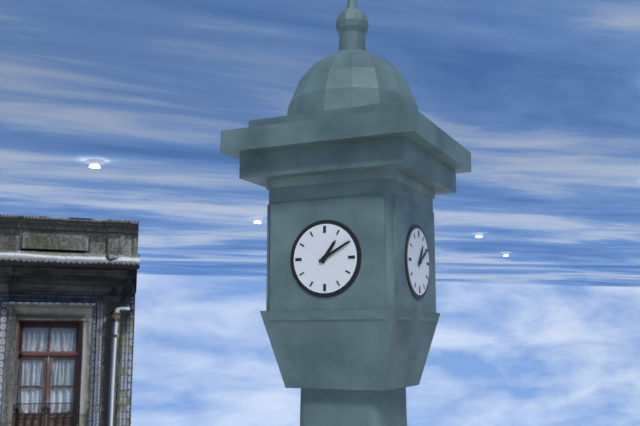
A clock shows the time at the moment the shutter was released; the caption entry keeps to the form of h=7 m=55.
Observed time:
h=1 m=10
